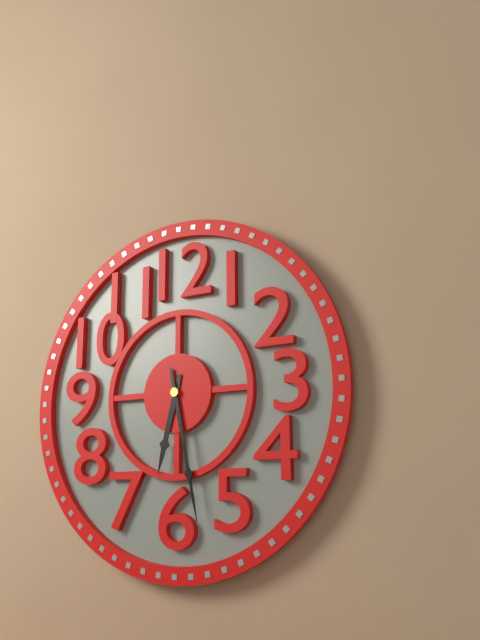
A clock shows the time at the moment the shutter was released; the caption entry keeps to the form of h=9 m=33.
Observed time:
h=6 m=28
